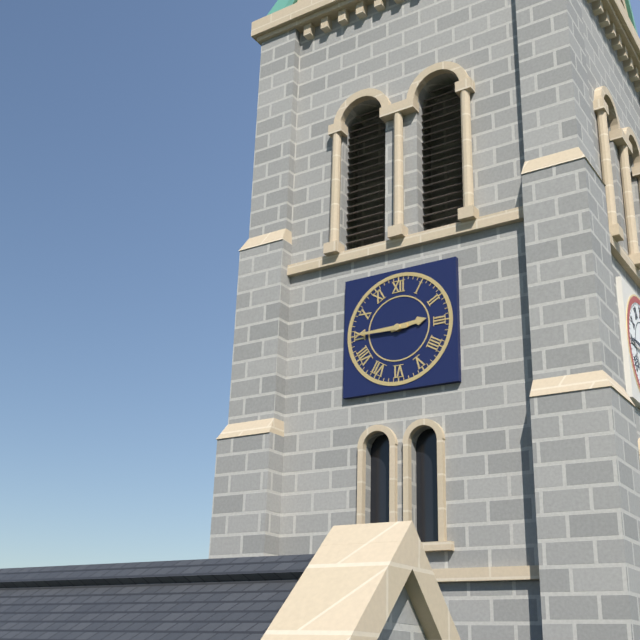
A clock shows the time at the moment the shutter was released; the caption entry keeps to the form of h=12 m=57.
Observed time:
h=2 m=45
